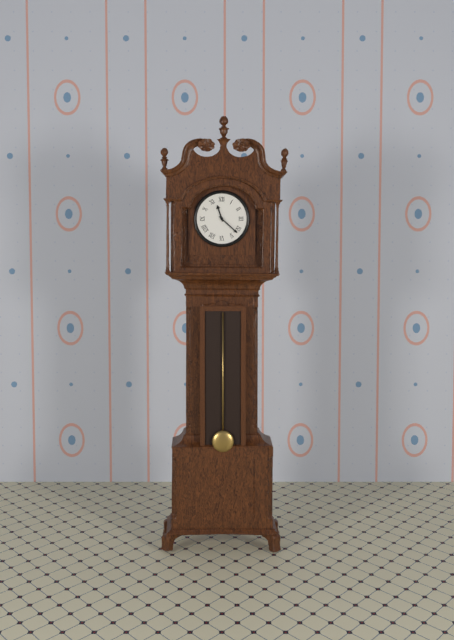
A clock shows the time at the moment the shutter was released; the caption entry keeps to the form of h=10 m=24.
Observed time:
h=11 m=22
